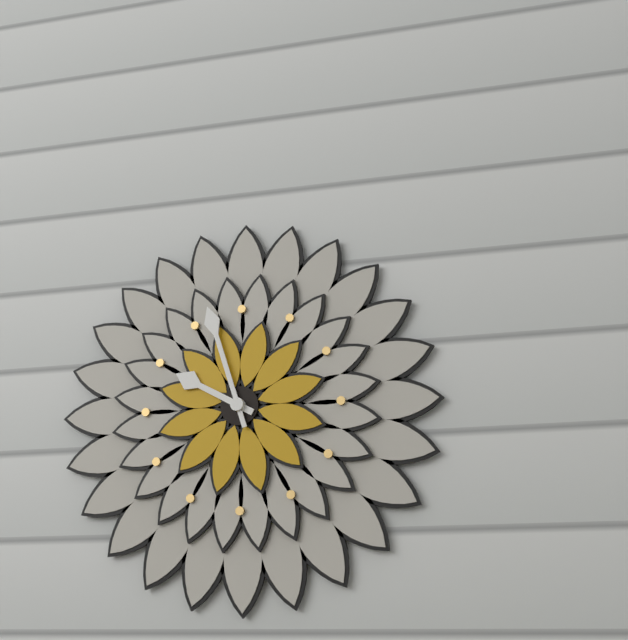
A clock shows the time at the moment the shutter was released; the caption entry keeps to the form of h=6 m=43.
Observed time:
h=9 m=57
